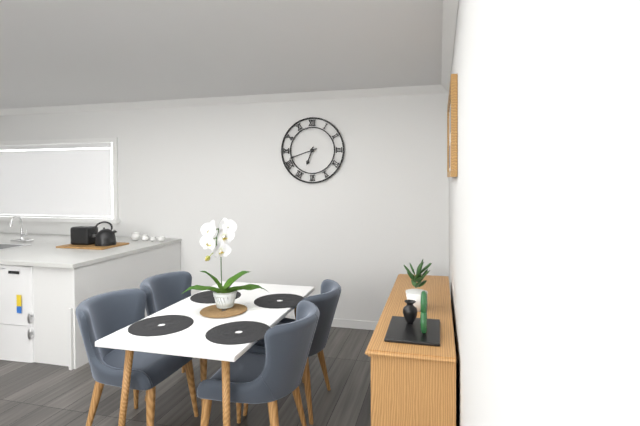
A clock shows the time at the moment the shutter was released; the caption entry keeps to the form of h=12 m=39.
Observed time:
h=6 m=42
